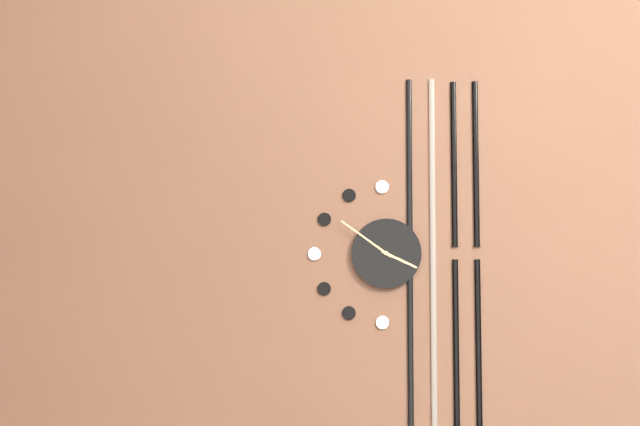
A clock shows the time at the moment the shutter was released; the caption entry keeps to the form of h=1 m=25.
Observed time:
h=3 m=51
